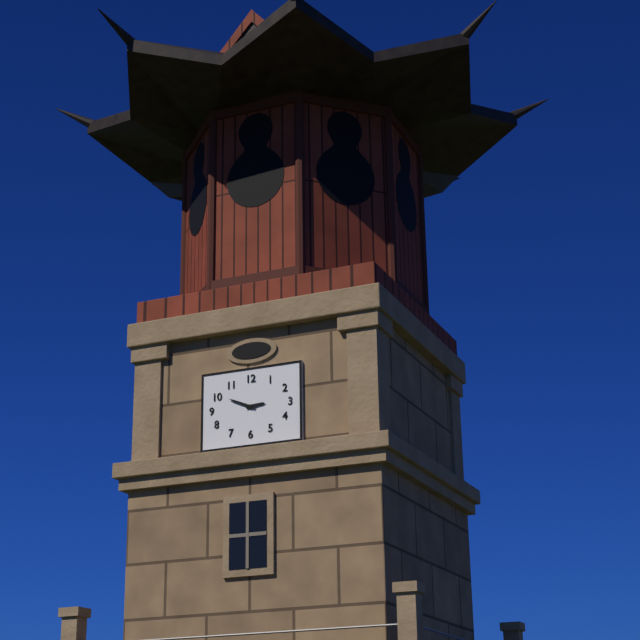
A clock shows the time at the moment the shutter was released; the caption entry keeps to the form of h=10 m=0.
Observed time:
h=2 m=49
